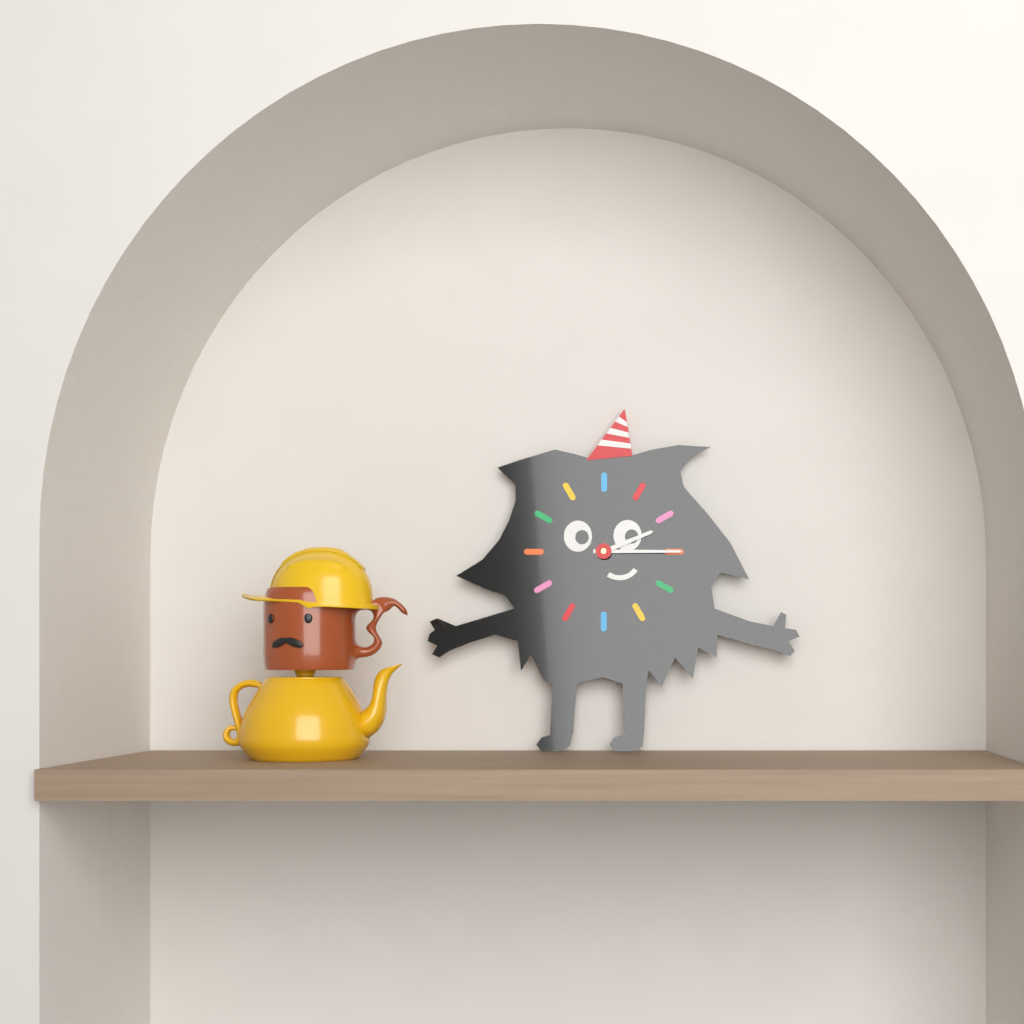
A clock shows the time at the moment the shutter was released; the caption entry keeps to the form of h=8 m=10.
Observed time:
h=2 m=15
